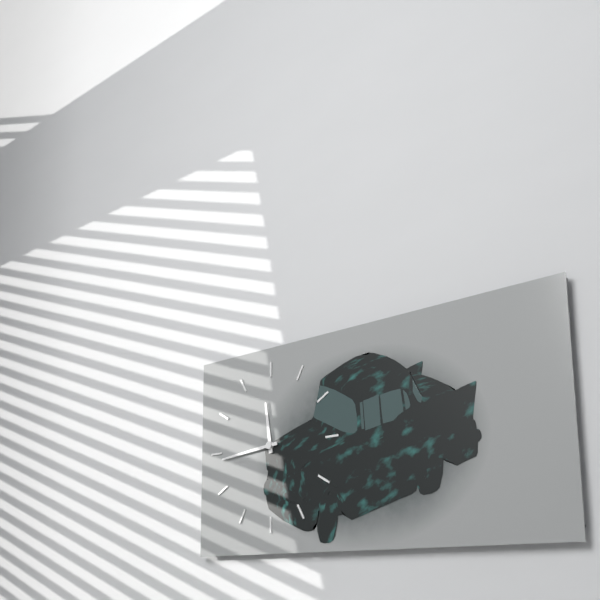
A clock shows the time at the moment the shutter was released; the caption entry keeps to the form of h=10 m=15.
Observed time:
h=11 m=44
